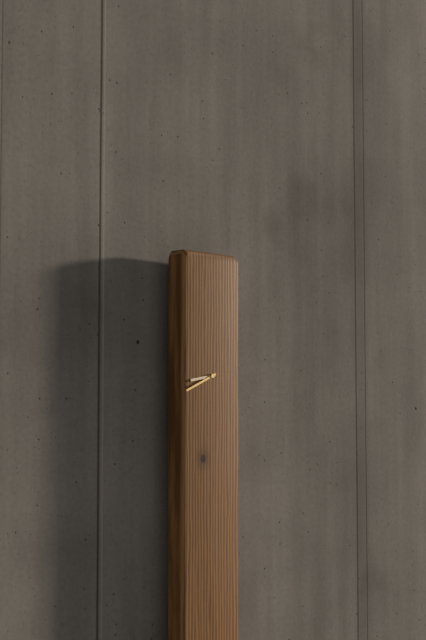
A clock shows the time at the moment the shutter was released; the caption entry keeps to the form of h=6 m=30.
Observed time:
h=8 m=41
